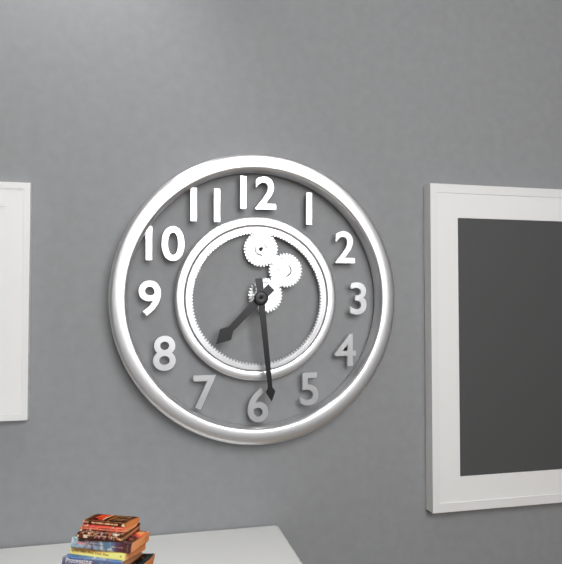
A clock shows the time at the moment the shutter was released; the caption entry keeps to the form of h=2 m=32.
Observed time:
h=7 m=29
